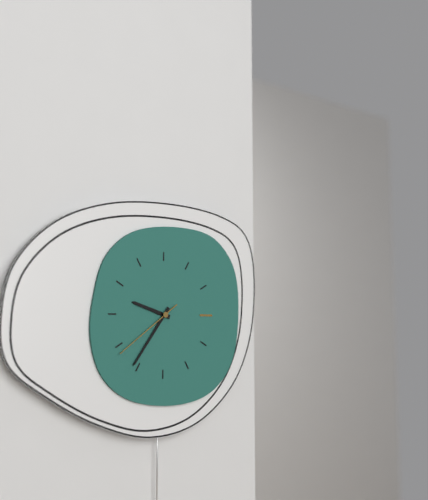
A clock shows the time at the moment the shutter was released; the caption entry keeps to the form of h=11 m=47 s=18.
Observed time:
h=9 m=36 s=39
